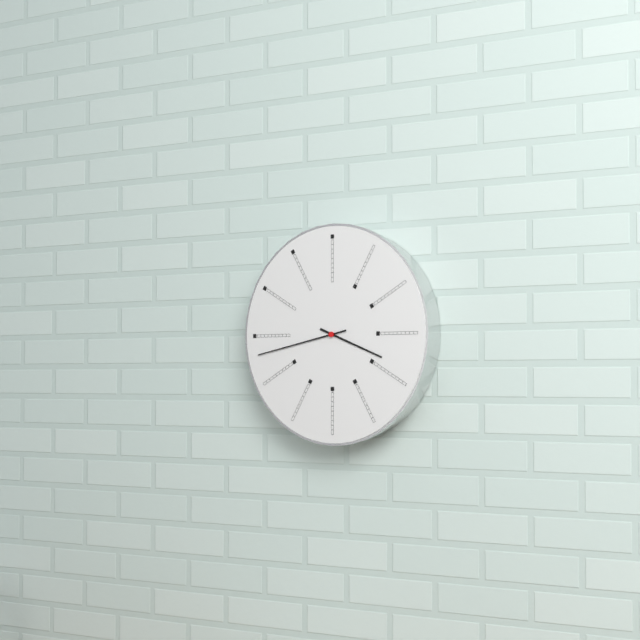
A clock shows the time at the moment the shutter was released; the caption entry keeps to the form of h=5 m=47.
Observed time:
h=3 m=43
